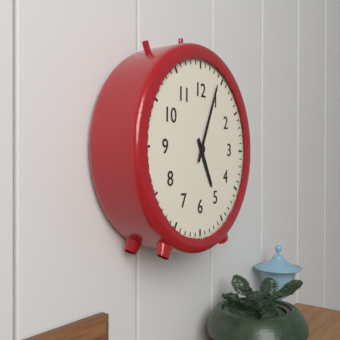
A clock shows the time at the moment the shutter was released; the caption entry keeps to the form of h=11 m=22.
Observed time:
h=5 m=4
